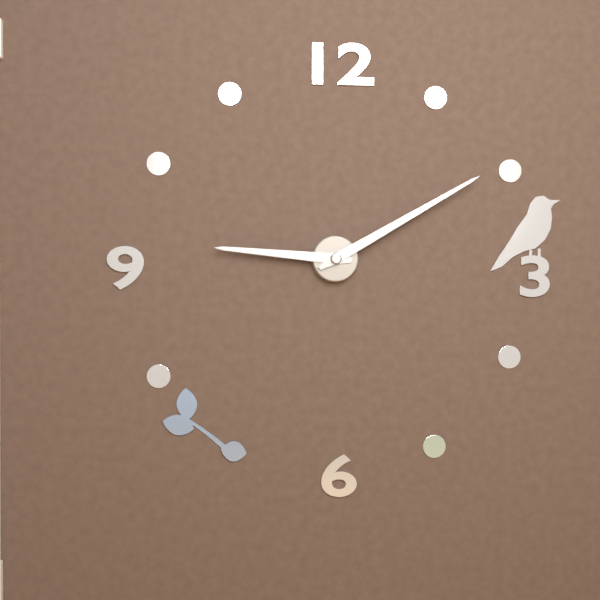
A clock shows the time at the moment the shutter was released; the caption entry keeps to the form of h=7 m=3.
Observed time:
h=9 m=10
